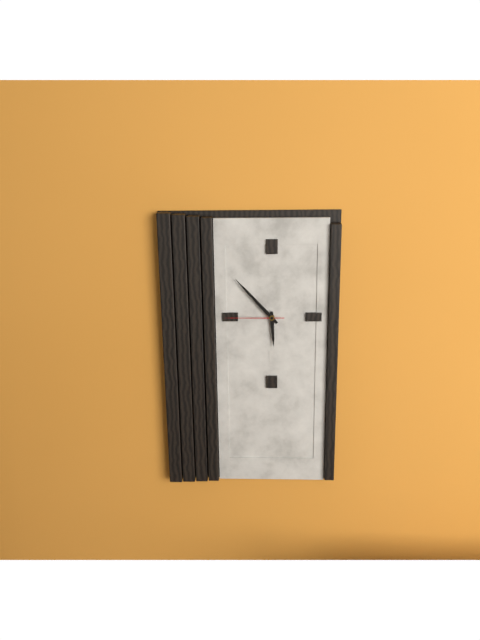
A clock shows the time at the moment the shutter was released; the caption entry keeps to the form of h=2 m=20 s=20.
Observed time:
h=5 m=53 s=45
